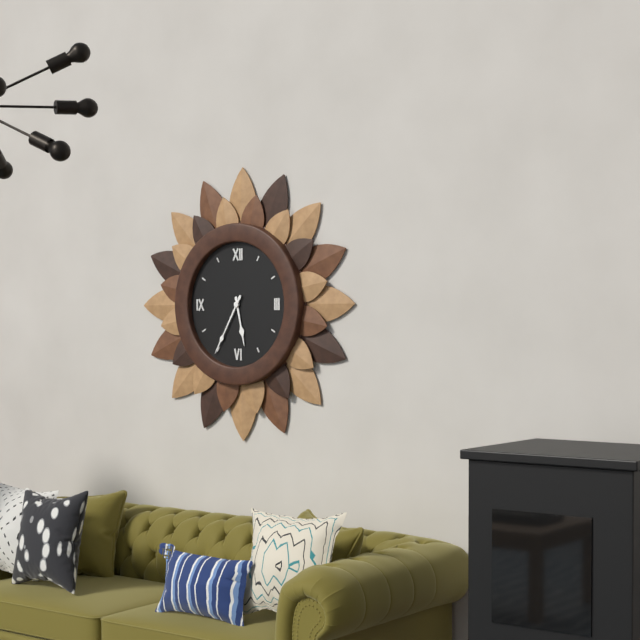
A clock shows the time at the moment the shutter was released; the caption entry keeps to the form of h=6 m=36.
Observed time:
h=5 m=35
